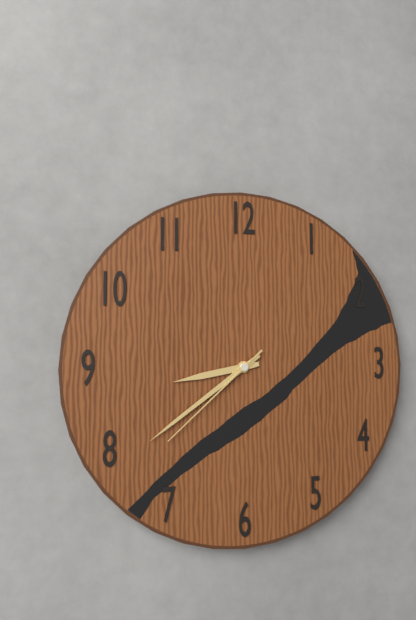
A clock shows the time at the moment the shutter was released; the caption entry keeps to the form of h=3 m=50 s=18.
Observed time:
h=8 m=39 s=38
